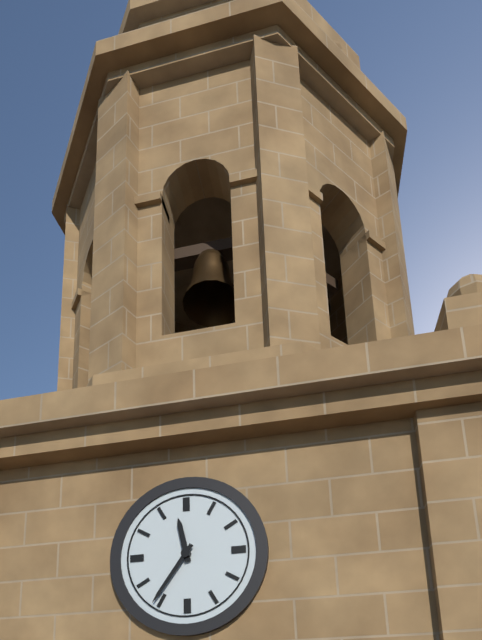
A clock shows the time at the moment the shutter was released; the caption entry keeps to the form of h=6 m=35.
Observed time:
h=11 m=36
